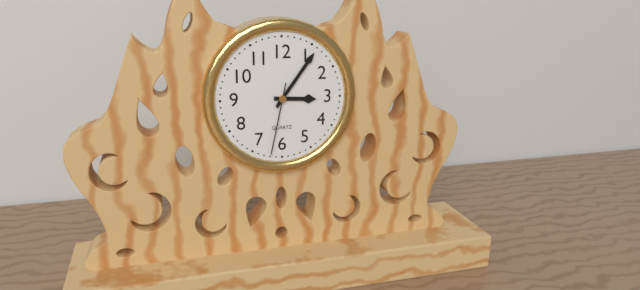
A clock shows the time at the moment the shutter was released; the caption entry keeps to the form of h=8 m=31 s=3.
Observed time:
h=3 m=6 s=32
